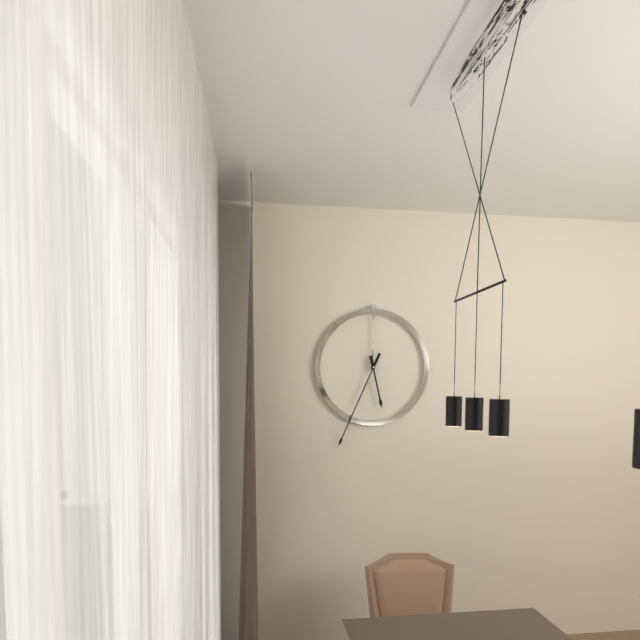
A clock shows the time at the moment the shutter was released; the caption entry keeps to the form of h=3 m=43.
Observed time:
h=5 m=34
